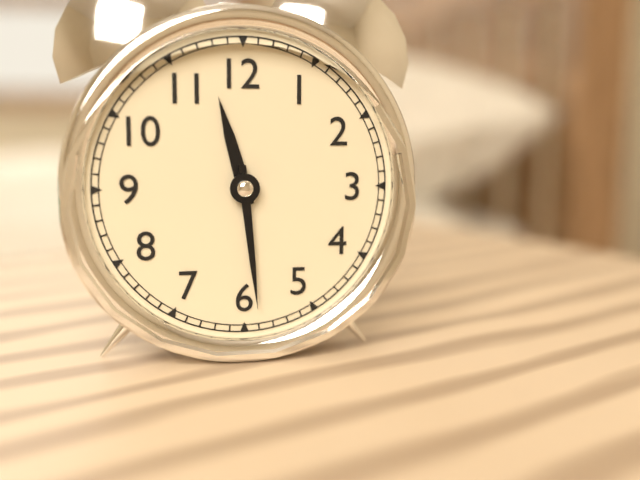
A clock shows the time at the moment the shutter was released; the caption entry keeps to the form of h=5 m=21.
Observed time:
h=11 m=29
